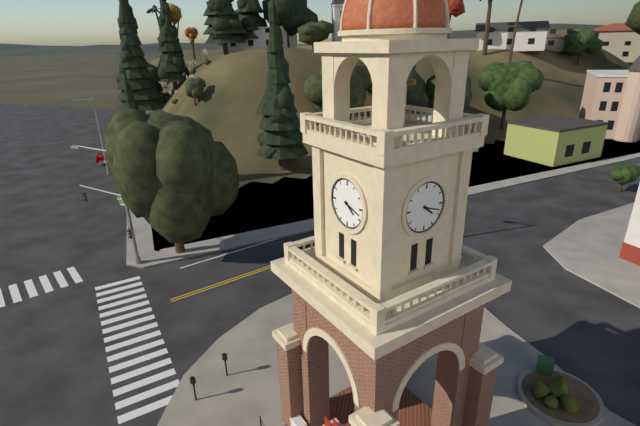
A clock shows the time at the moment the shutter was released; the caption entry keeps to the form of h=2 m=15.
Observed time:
h=4 m=18
